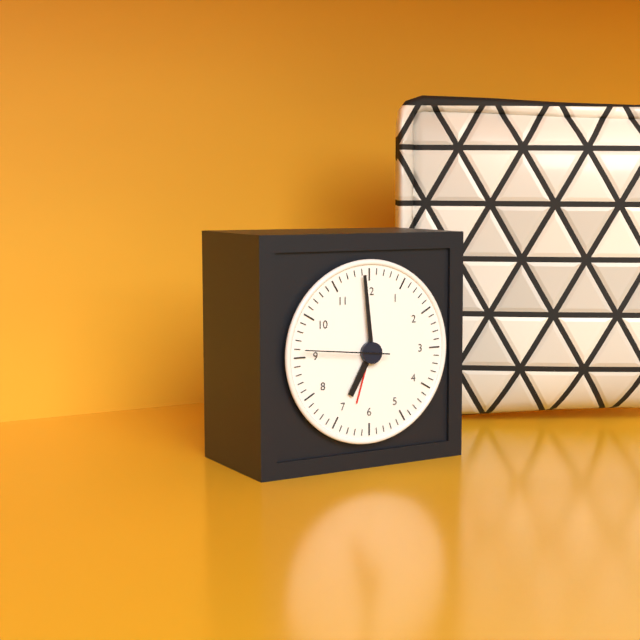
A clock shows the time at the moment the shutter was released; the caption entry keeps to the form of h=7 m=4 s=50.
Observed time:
h=6 m=59 s=46
